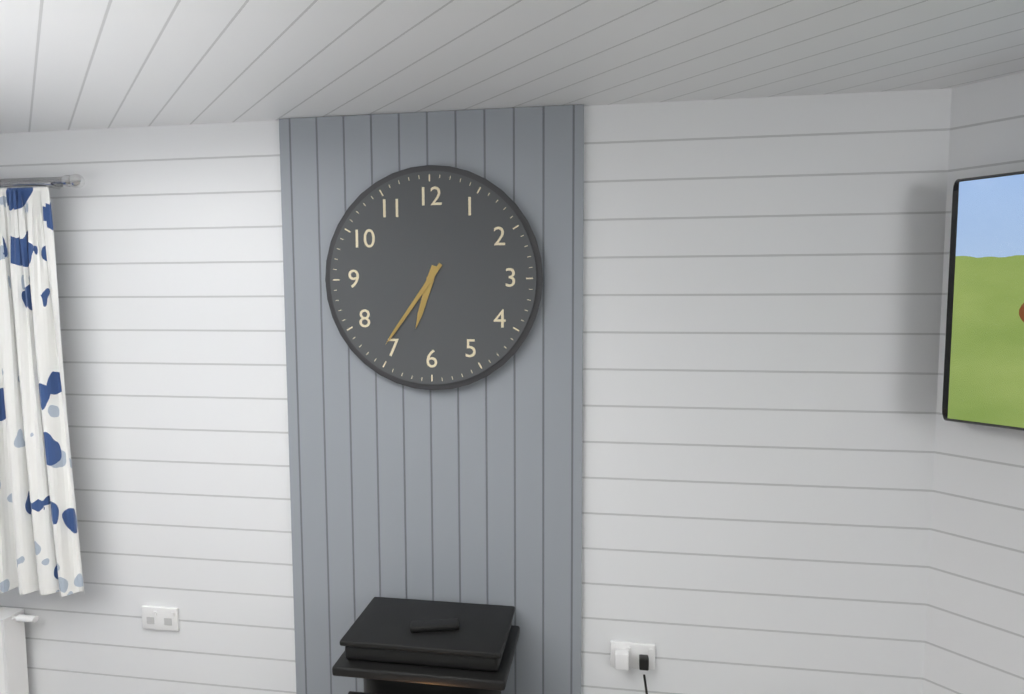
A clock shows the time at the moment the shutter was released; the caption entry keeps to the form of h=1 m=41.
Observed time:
h=6 m=36
